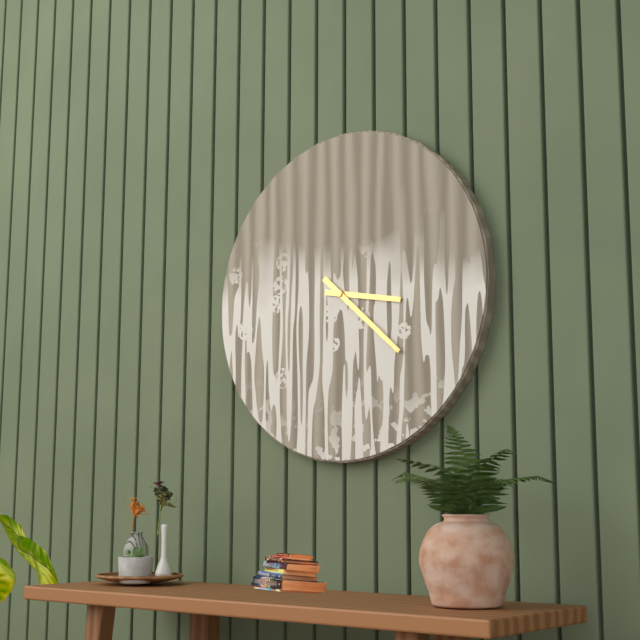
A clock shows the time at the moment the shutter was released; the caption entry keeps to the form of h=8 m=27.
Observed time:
h=3 m=22
